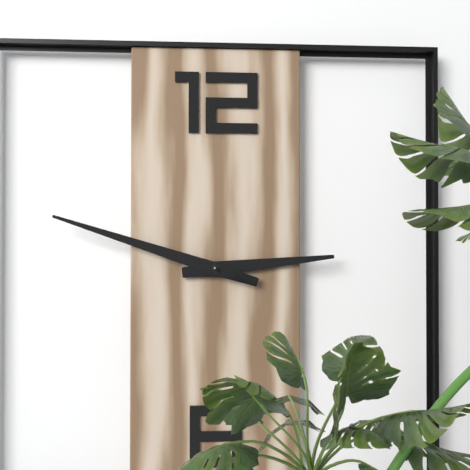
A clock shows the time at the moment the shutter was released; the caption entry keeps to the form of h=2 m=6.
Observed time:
h=2 m=48
